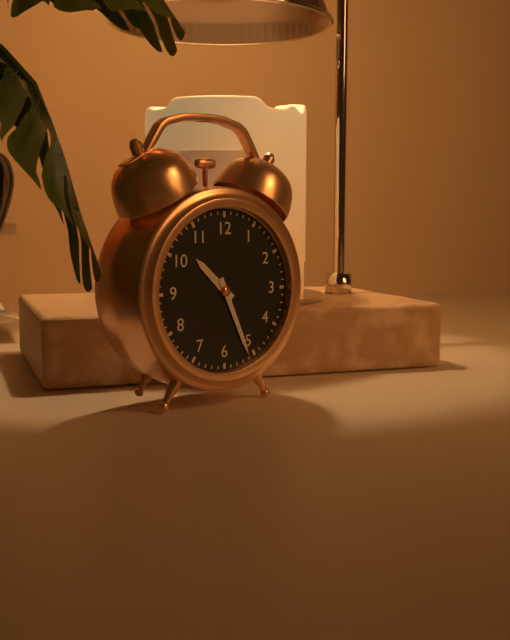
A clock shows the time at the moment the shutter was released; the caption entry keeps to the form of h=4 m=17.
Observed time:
h=10 m=26
